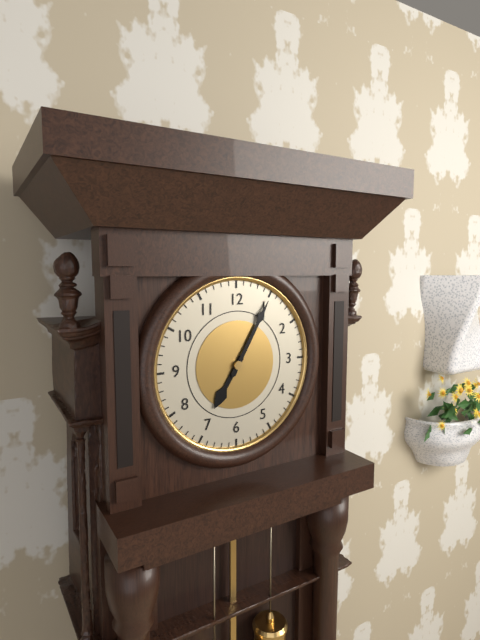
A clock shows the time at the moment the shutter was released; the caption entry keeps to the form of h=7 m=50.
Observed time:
h=7 m=5
